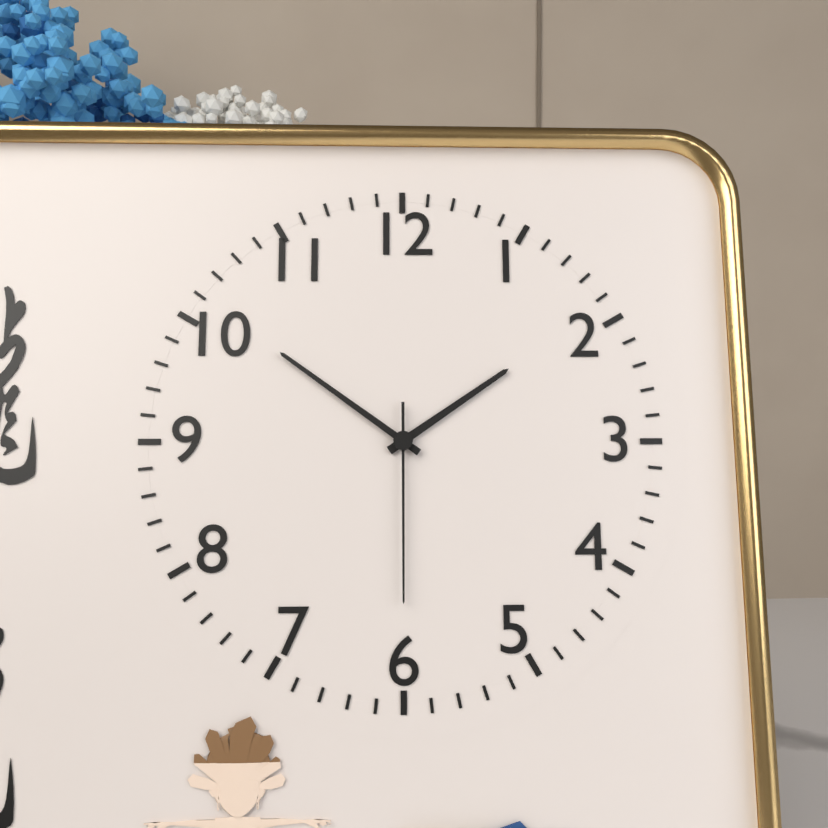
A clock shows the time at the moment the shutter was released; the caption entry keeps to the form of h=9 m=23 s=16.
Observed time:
h=1 m=51 s=30
